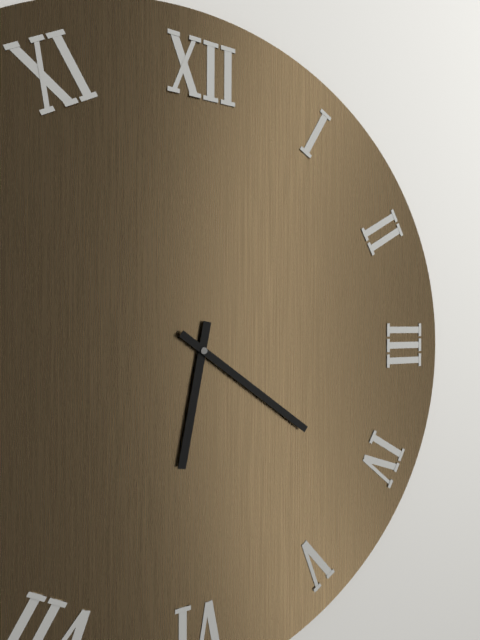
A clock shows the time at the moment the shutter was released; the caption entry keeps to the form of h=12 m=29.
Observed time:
h=6 m=21
